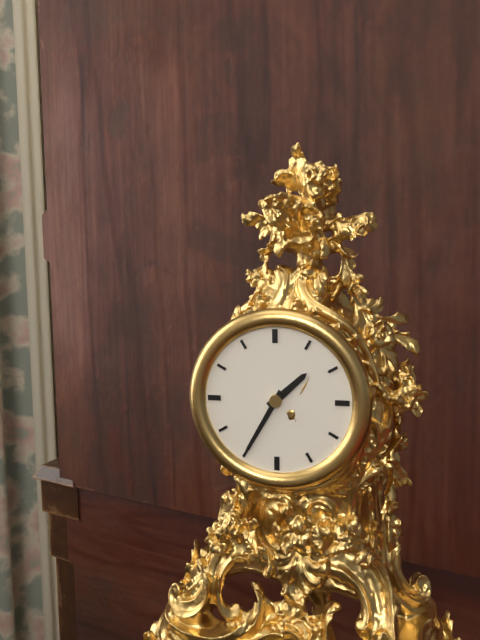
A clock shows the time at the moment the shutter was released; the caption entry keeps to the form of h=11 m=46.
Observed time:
h=1 m=35
